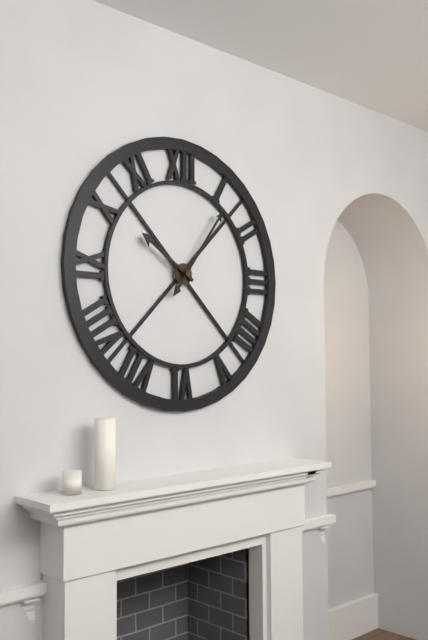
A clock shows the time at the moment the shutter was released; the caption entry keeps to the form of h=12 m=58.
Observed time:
h=10 m=6
